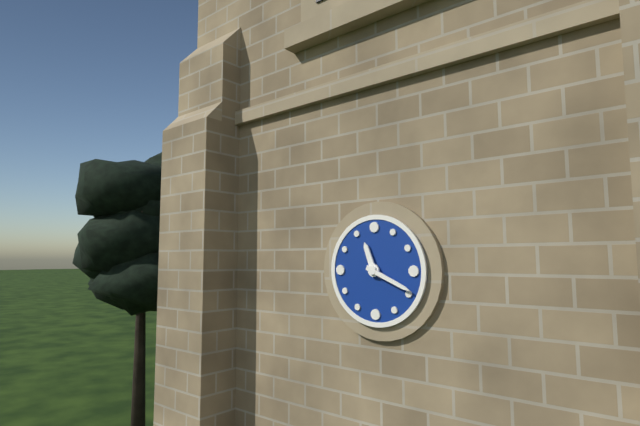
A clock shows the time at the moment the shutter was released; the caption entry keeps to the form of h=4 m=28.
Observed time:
h=11 m=19
